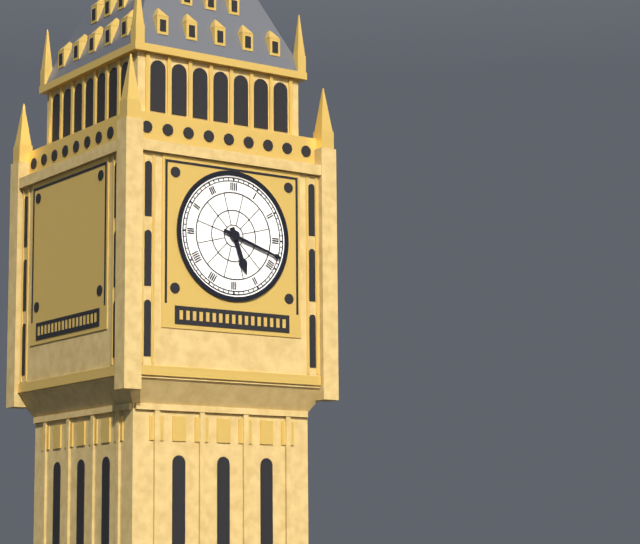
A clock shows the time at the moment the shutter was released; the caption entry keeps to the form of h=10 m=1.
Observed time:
h=5 m=18
